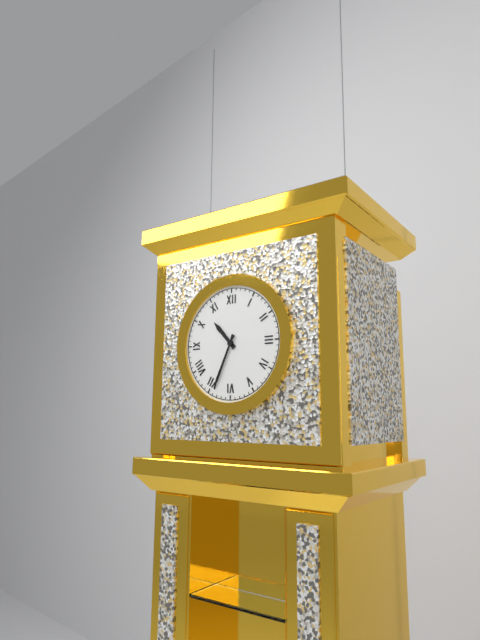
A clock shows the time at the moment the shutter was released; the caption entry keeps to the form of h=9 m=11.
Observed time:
h=10 m=34
